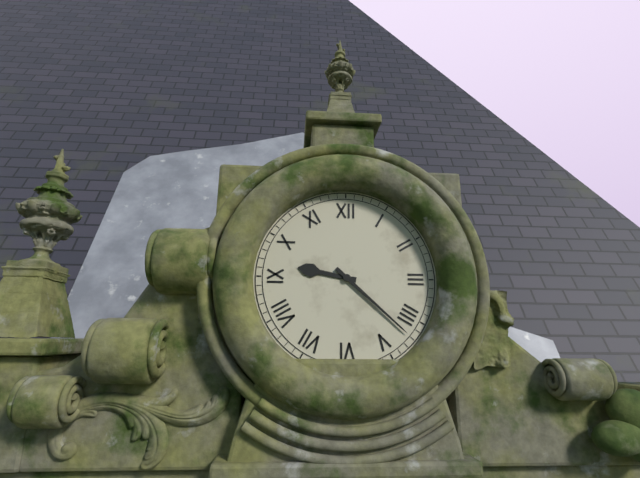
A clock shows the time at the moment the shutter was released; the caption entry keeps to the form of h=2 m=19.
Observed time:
h=9 m=22
